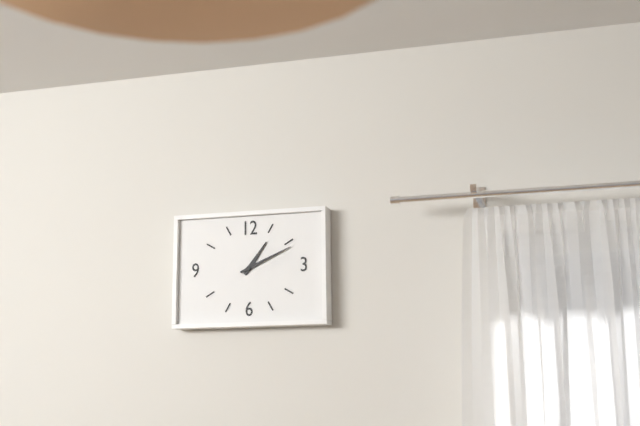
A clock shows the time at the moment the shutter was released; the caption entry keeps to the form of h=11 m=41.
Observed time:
h=1 m=11
